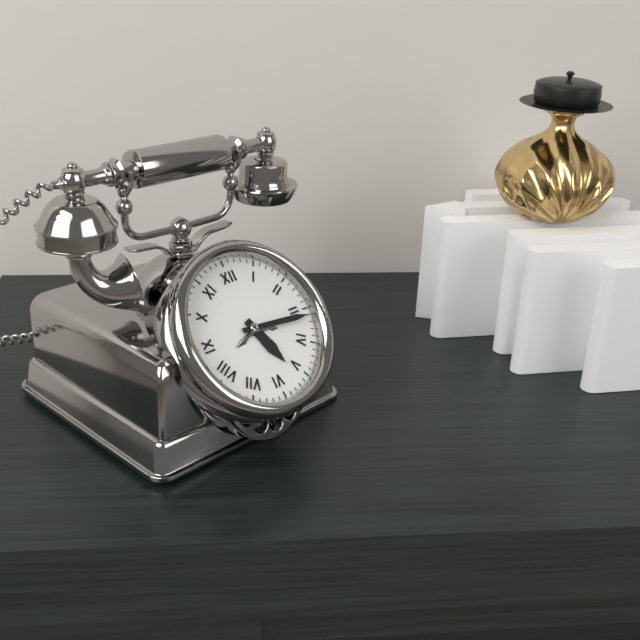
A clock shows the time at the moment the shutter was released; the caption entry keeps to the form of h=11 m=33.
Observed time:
h=5 m=16
